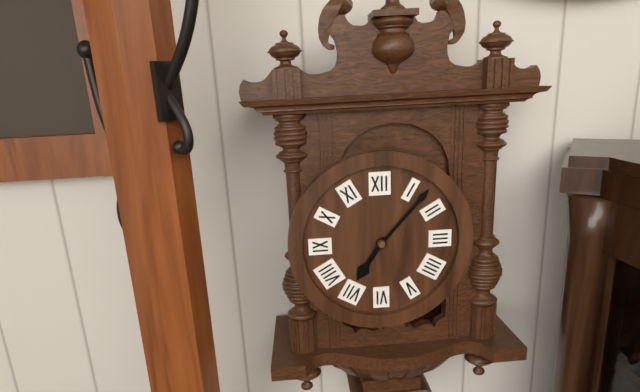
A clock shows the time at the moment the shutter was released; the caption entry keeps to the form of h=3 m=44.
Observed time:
h=7 m=7
